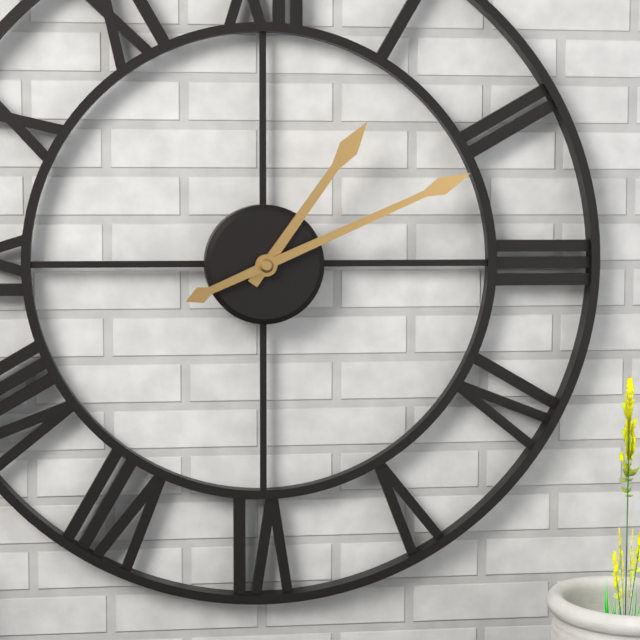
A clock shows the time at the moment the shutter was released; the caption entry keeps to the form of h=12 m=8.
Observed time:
h=1 m=11
